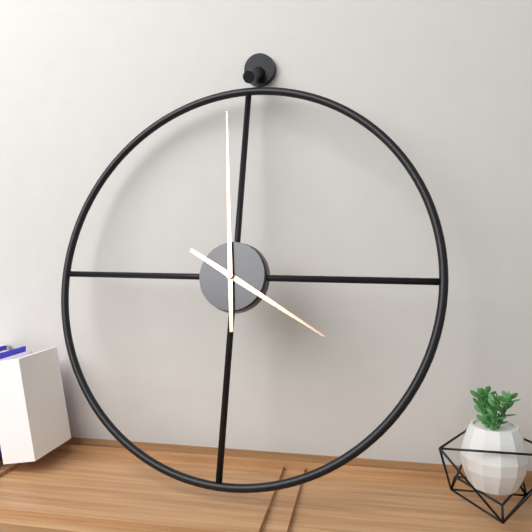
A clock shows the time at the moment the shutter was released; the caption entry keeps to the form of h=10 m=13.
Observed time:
h=3 m=59
